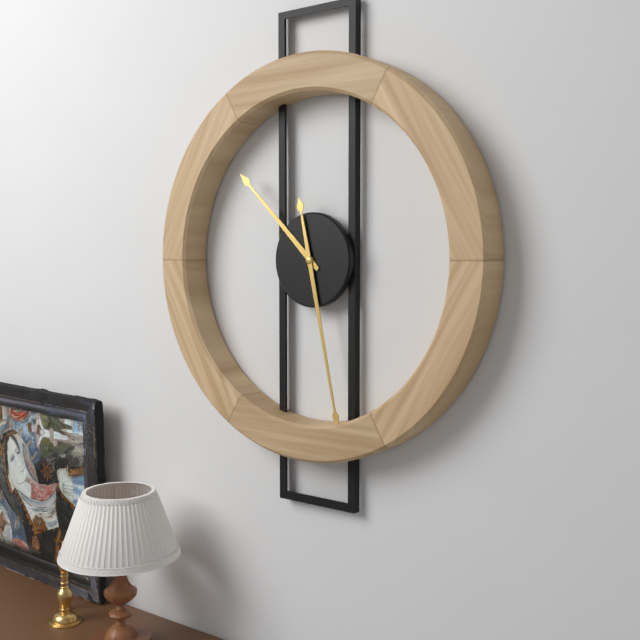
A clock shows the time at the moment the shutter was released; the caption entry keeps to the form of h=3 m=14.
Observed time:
h=10 m=28
